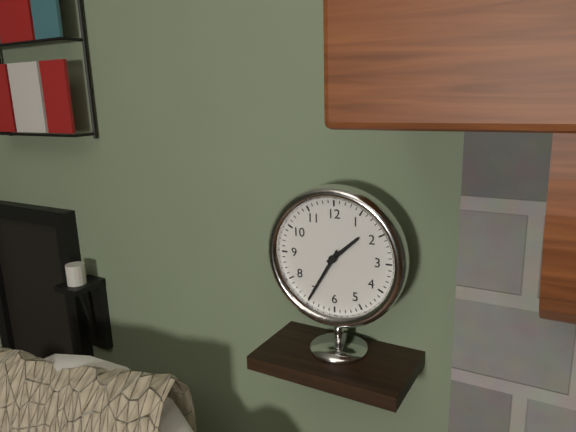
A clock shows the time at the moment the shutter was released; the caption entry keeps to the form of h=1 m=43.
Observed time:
h=1 m=35
